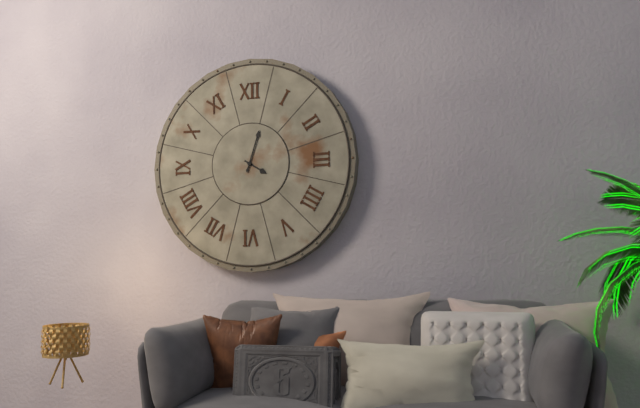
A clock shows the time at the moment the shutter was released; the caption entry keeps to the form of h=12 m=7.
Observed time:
h=4 m=3
